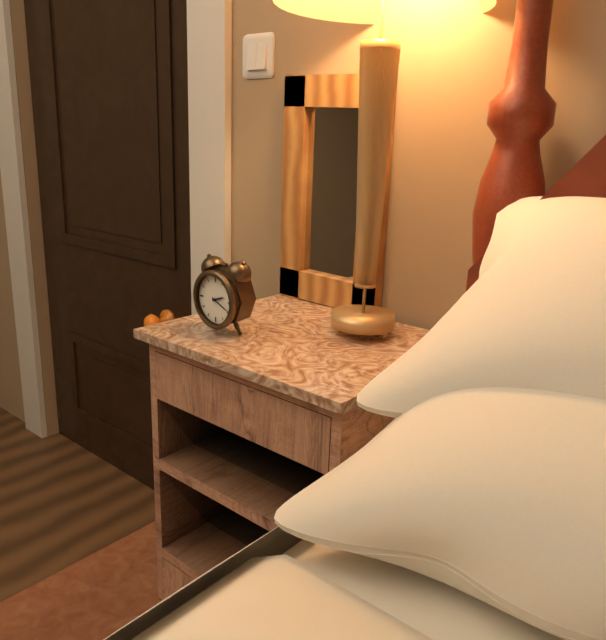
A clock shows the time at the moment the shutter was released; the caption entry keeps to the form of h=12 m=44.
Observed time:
h=2 m=19
